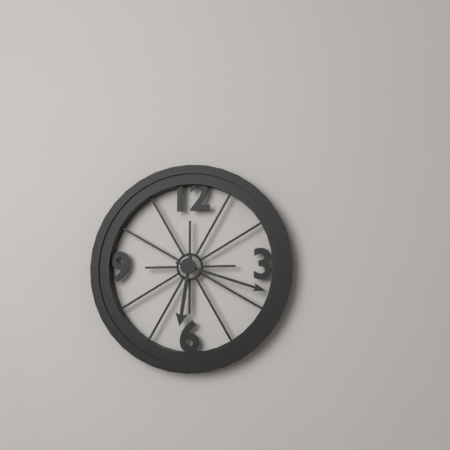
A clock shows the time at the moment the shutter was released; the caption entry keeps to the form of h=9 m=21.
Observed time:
h=6 m=18
